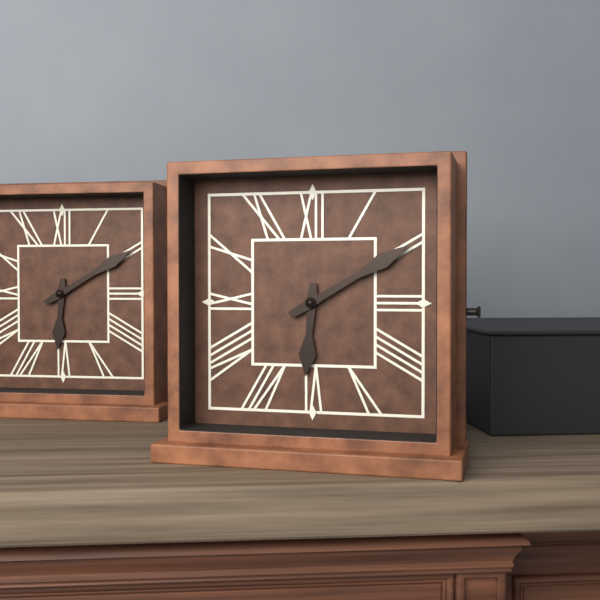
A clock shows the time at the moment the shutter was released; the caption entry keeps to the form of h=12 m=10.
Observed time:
h=6 m=10
